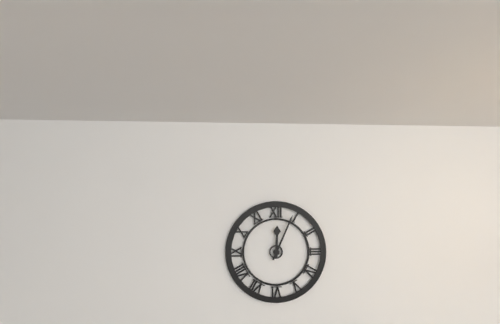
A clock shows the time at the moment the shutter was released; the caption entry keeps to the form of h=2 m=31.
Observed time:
h=12 m=4
